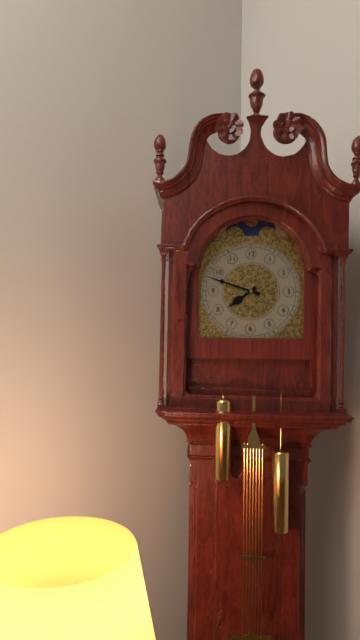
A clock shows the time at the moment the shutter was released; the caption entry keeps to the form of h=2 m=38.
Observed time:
h=7 m=48
